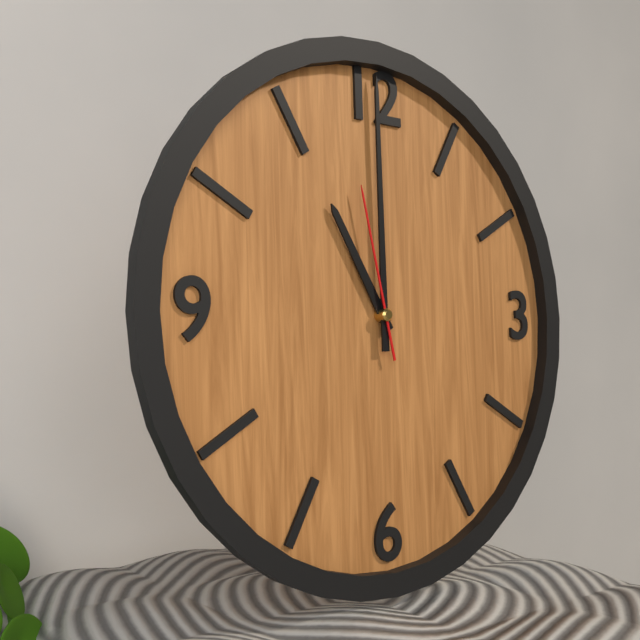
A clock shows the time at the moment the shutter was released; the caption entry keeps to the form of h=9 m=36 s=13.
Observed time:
h=11 m=0 s=58
